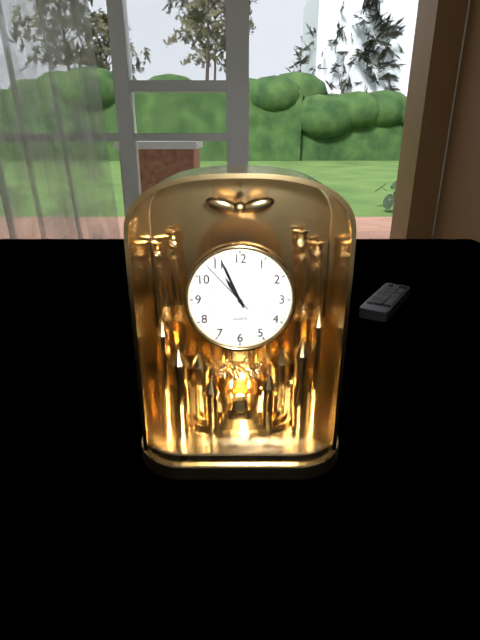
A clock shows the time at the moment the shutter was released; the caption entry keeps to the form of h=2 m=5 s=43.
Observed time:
h=10 m=56 s=53
